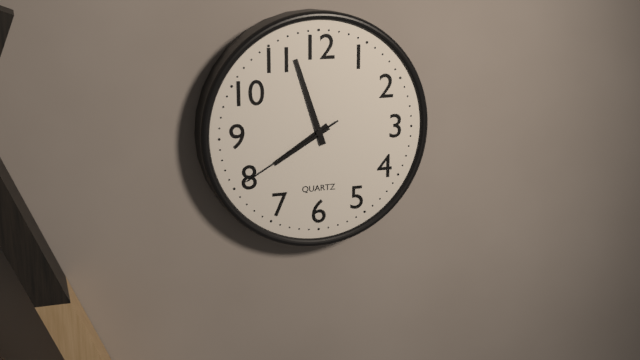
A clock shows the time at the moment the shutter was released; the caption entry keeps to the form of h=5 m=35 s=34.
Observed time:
h=7 m=57 s=40
